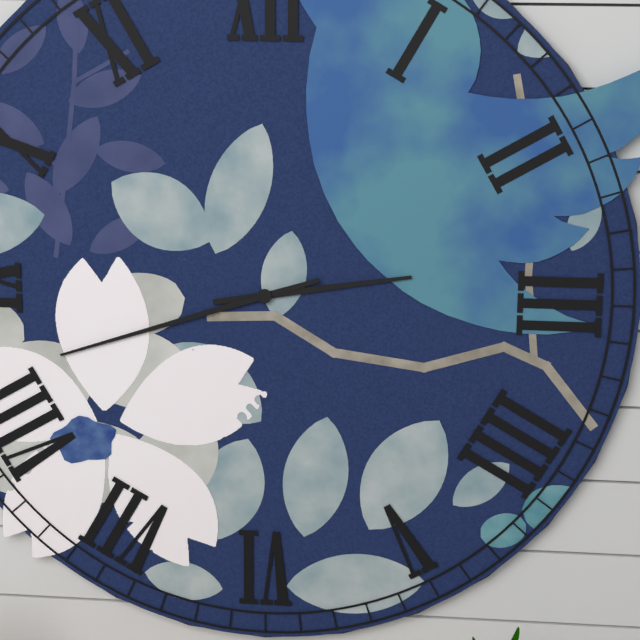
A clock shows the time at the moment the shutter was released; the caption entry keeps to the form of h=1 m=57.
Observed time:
h=2 m=42
